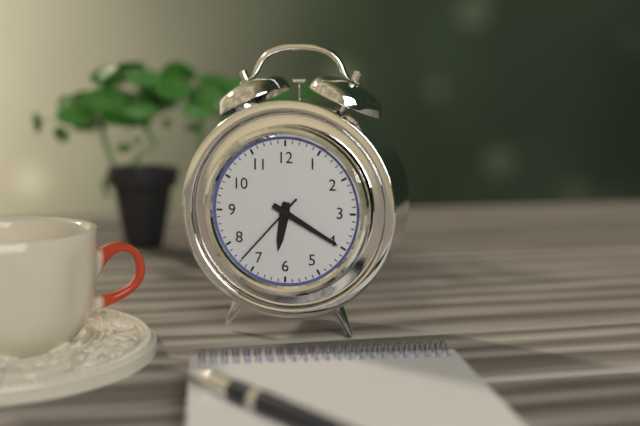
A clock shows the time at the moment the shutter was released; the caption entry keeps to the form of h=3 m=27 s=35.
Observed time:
h=6 m=20 s=37
